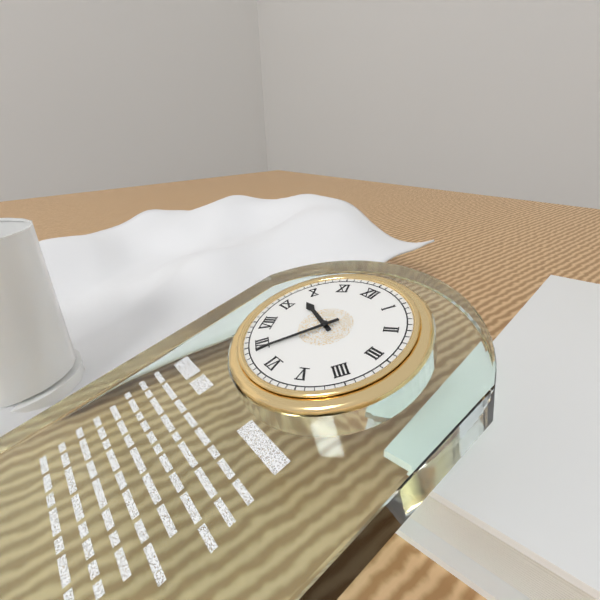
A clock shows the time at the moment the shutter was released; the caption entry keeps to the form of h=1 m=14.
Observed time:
h=9 m=34
